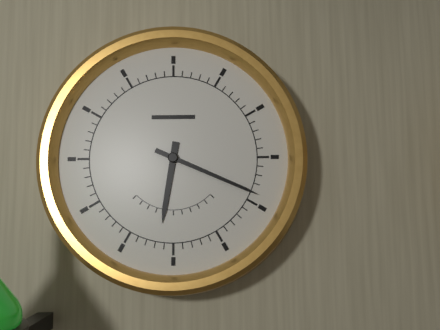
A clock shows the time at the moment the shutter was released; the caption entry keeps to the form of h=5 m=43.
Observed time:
h=6 m=19
